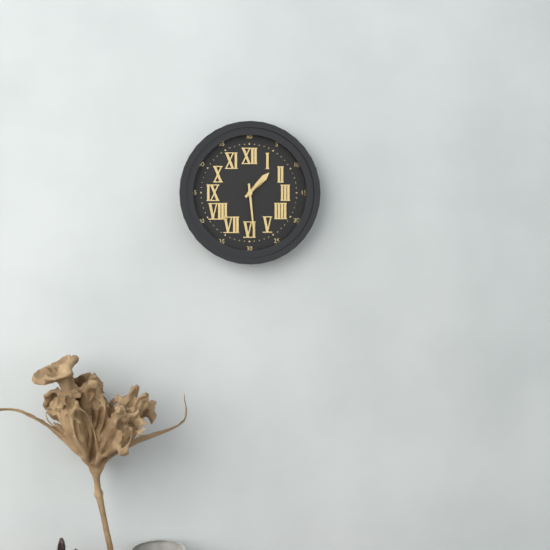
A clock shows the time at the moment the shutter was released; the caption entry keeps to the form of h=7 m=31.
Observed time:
h=1 m=29
